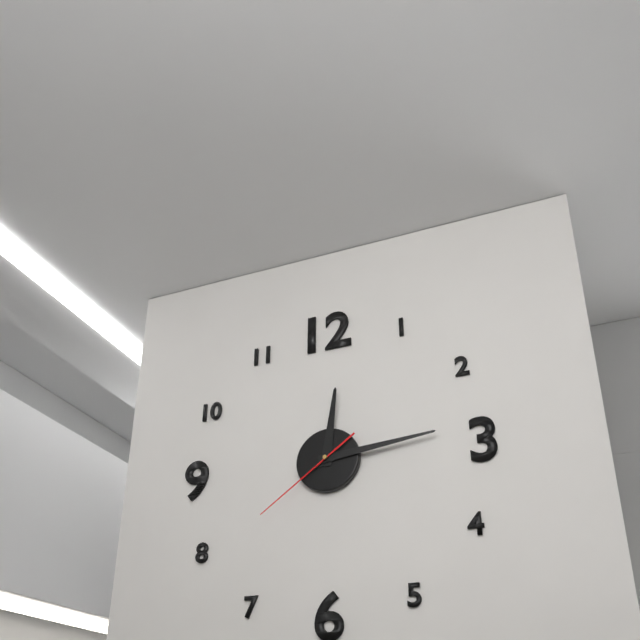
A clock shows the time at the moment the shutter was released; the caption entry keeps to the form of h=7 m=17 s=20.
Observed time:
h=12 m=14 s=39
